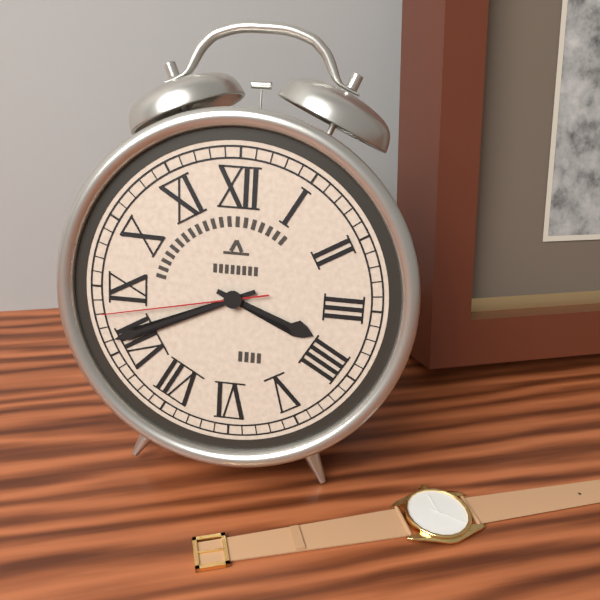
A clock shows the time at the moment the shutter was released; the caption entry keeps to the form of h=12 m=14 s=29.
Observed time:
h=3 m=41 s=43
